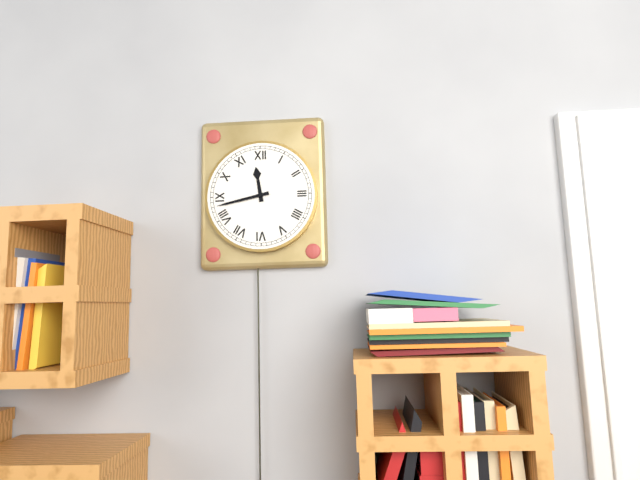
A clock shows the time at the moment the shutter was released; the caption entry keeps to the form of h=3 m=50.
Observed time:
h=11 m=43
